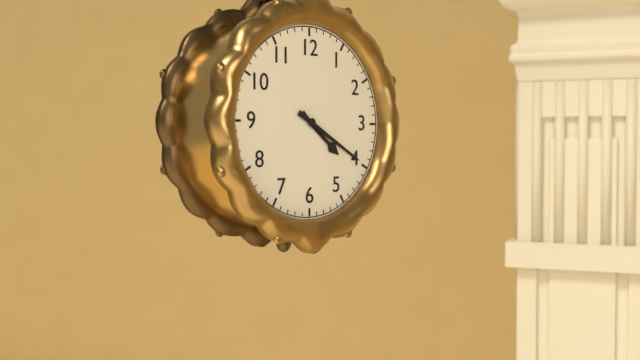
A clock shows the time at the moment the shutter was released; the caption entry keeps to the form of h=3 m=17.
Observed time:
h=4 m=20
